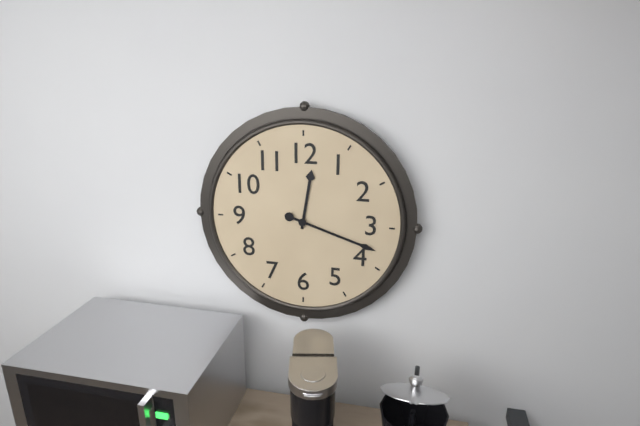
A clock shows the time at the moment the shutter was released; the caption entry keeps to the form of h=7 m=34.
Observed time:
h=12 m=18
